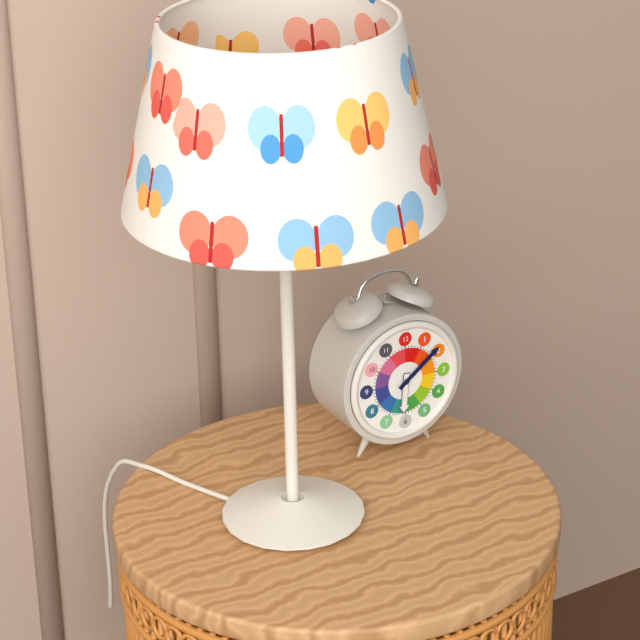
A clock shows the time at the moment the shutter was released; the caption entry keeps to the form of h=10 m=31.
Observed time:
h=6 m=9
